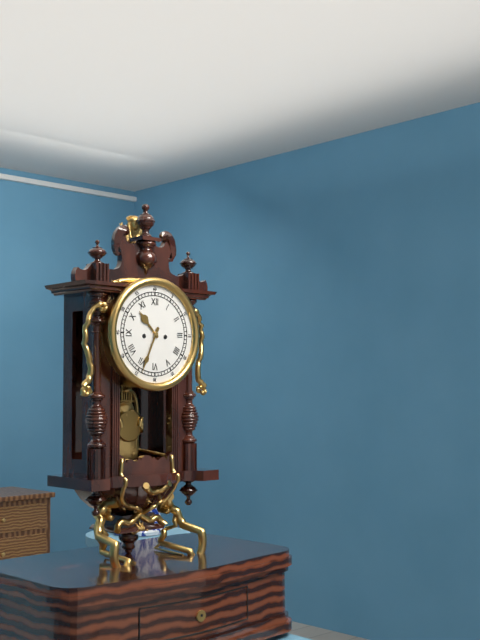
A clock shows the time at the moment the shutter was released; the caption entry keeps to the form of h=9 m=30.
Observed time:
h=10 m=34
